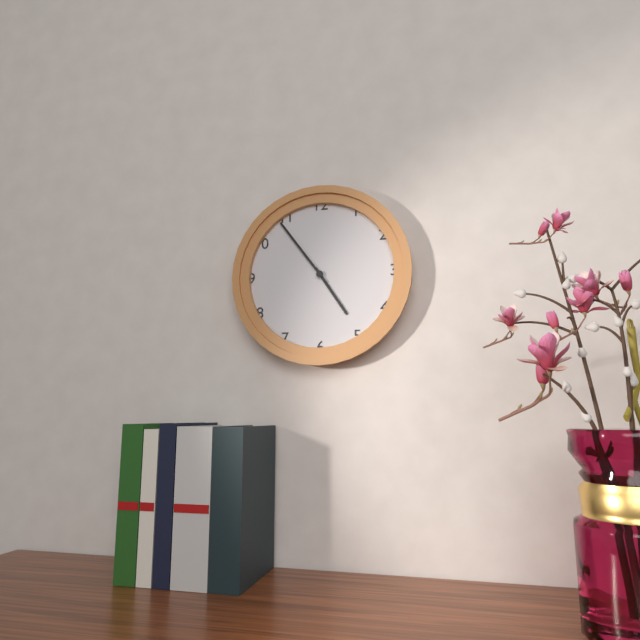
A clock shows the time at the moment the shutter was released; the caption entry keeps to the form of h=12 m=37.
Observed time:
h=4 m=54
